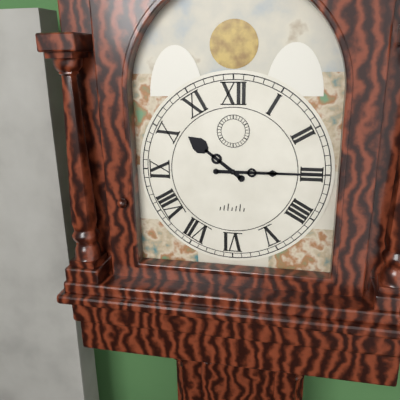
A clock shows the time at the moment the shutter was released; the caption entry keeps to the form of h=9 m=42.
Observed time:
h=10 m=15
